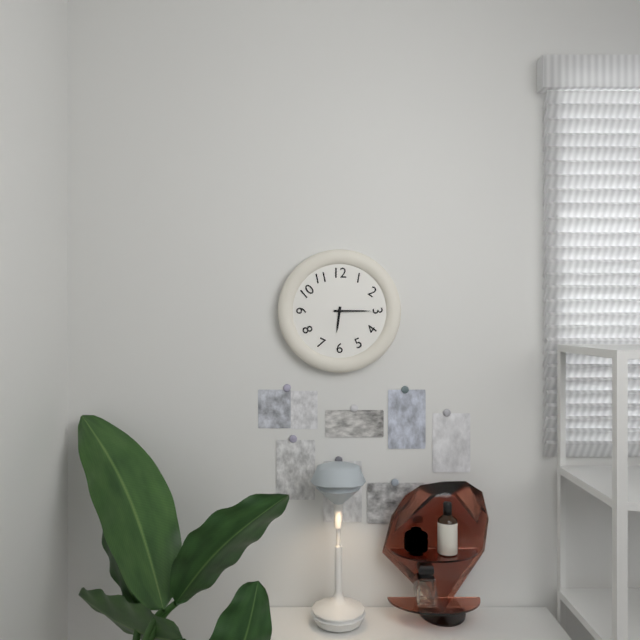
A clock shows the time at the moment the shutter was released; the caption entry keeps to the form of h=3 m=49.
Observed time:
h=6 m=15
